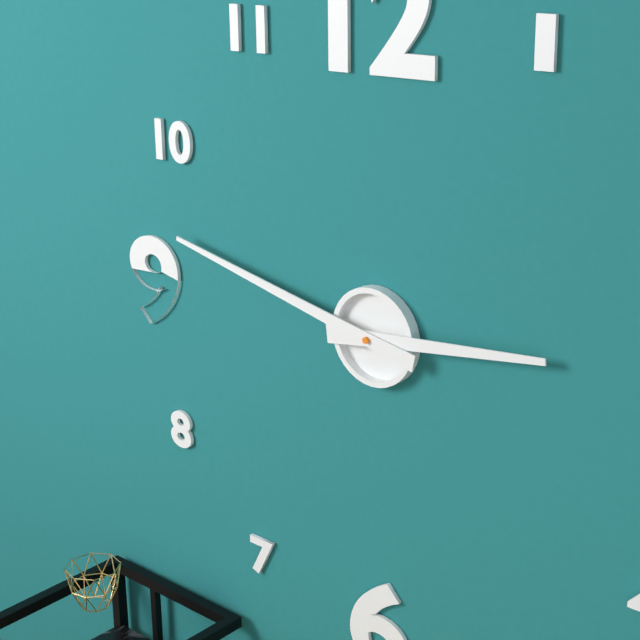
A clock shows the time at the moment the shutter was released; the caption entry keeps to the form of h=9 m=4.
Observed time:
h=2 m=47
